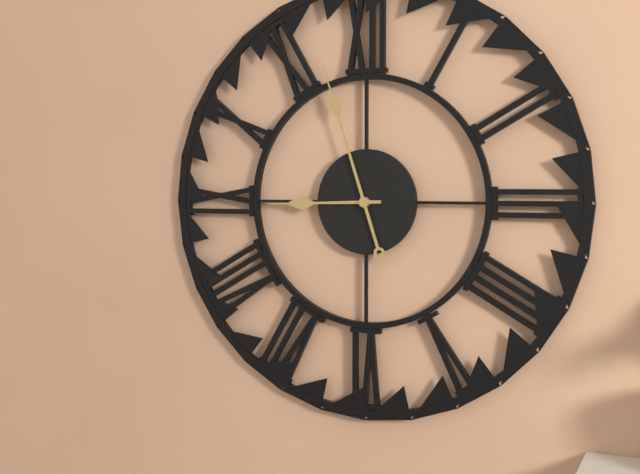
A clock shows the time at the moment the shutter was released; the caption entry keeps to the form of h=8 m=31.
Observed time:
h=8 m=57
